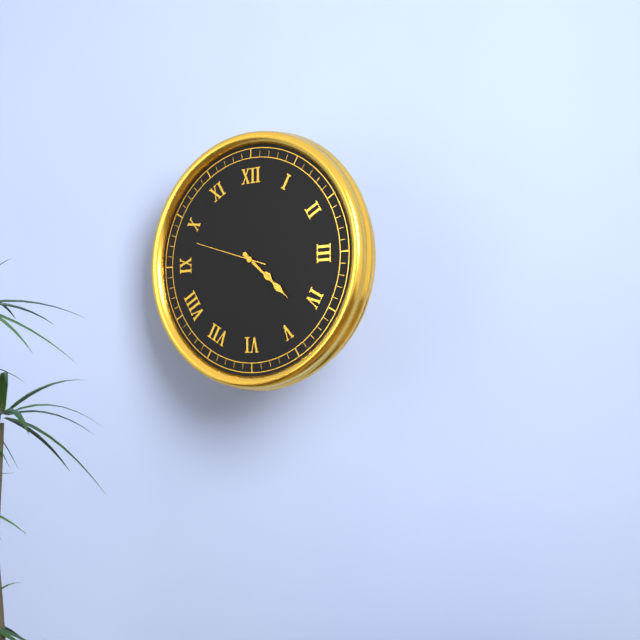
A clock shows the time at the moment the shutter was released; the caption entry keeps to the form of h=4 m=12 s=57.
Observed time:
h=4 m=22 s=48
